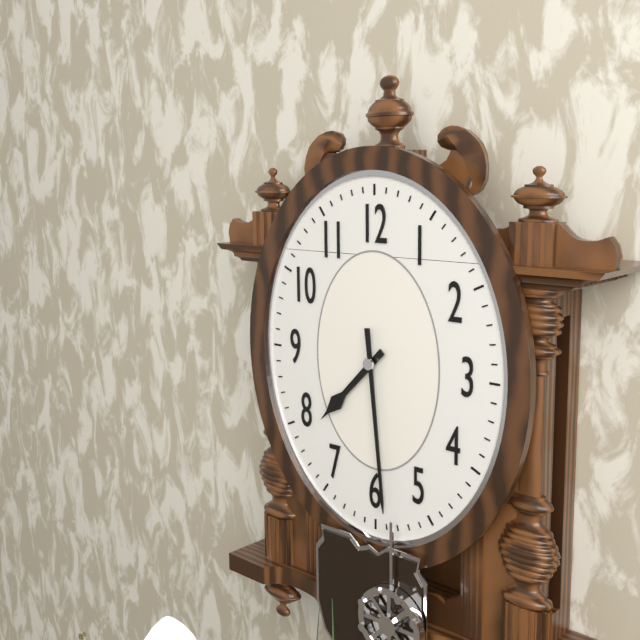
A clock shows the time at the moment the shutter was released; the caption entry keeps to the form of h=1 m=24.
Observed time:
h=7 m=29
